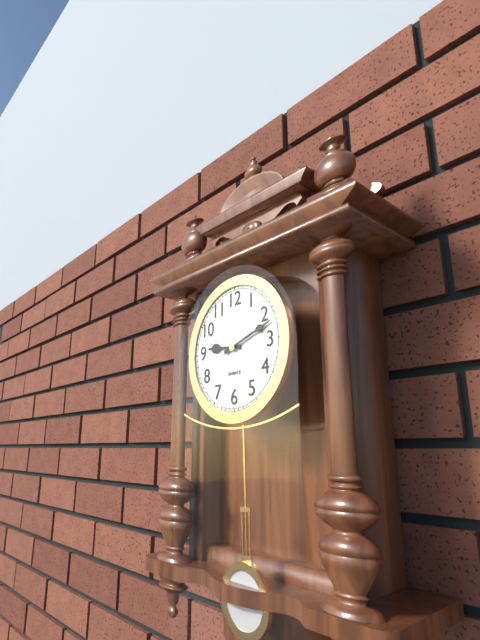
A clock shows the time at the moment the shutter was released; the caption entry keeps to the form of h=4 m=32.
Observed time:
h=9 m=12
